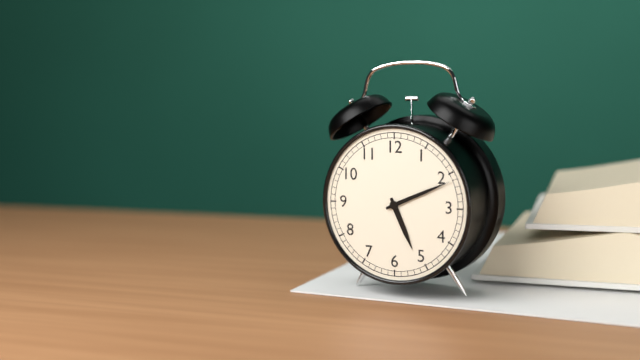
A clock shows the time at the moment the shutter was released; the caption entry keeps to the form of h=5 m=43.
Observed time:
h=5 m=11
